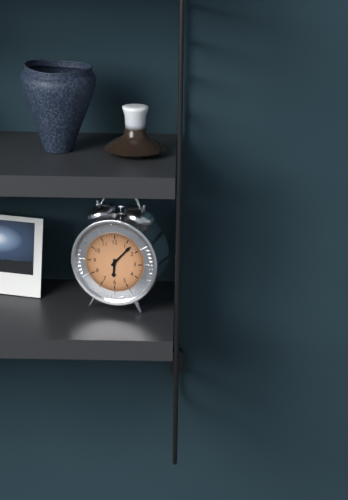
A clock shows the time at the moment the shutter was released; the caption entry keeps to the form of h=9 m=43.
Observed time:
h=6 m=7
